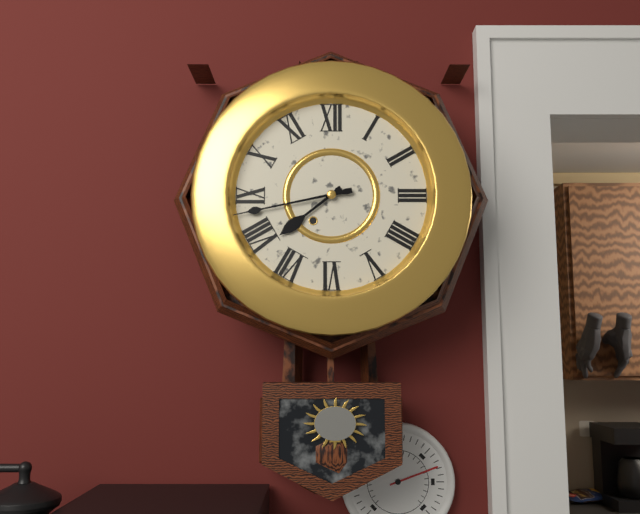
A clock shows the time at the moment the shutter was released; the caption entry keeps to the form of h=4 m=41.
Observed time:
h=7 m=43
